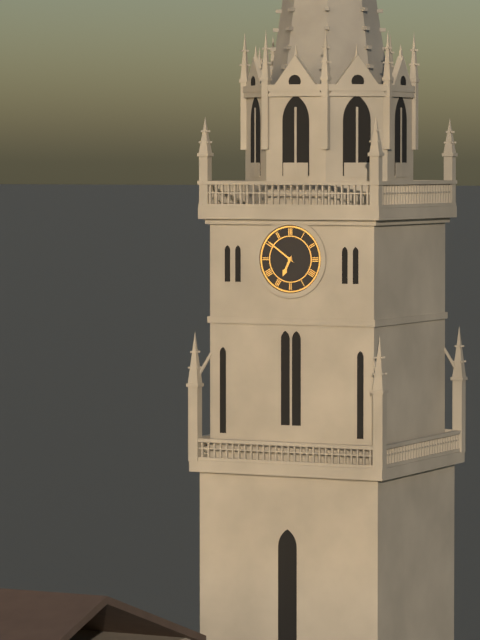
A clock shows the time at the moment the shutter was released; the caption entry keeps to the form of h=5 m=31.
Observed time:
h=6 m=51
